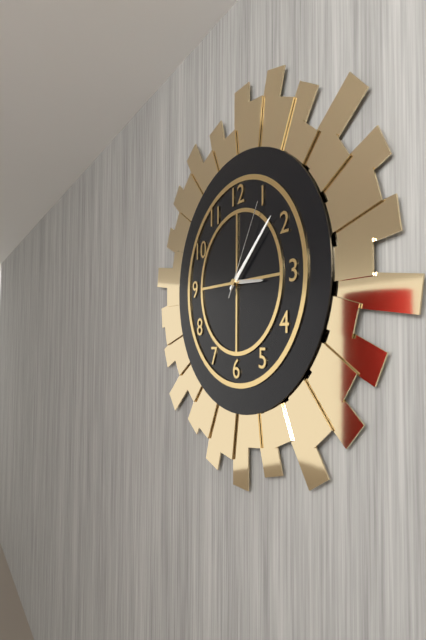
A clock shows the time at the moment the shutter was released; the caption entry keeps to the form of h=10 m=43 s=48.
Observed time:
h=3 m=8 s=5
